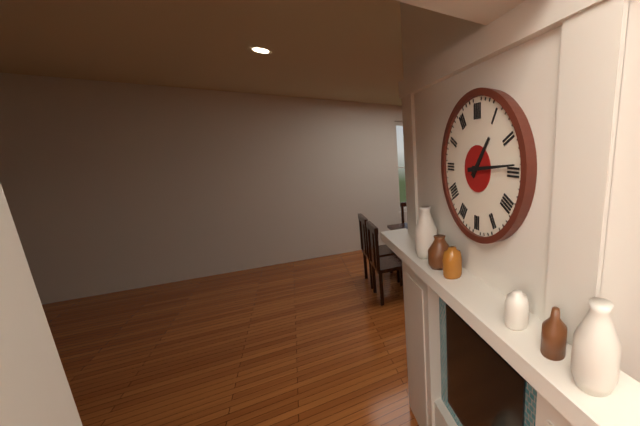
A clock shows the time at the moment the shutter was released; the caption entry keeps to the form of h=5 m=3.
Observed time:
h=1 m=14
